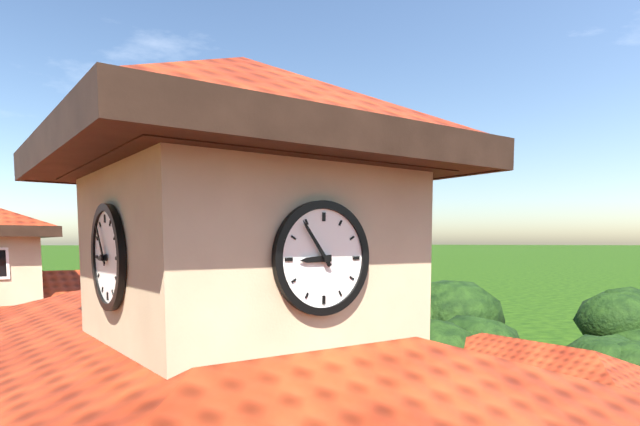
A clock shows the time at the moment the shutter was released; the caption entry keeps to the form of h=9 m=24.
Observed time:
h=8 m=54
